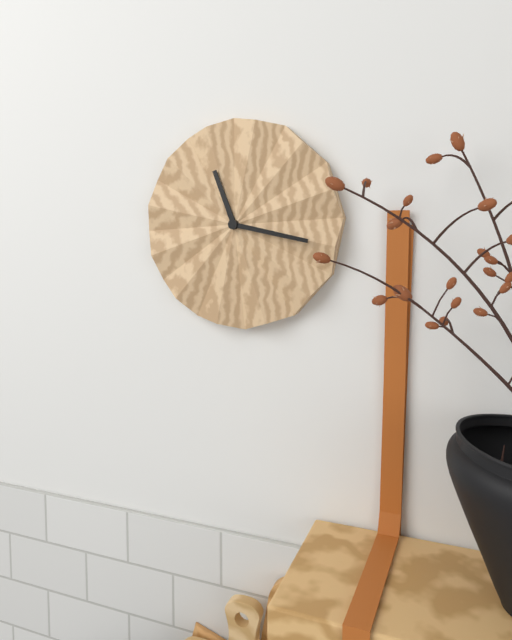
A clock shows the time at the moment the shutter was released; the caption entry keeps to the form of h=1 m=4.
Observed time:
h=11 m=17
